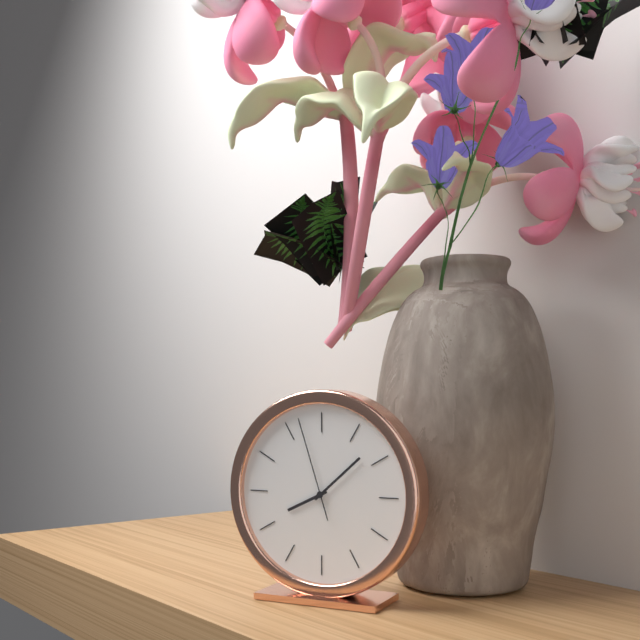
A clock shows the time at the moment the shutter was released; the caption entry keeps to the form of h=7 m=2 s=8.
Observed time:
h=8 m=8 s=57
